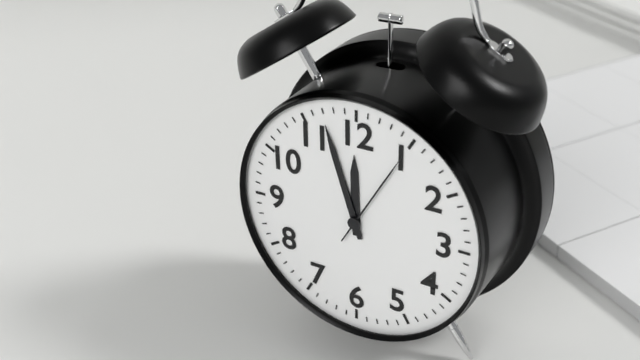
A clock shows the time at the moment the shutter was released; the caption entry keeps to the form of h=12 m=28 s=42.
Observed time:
h=11 m=57 s=5
